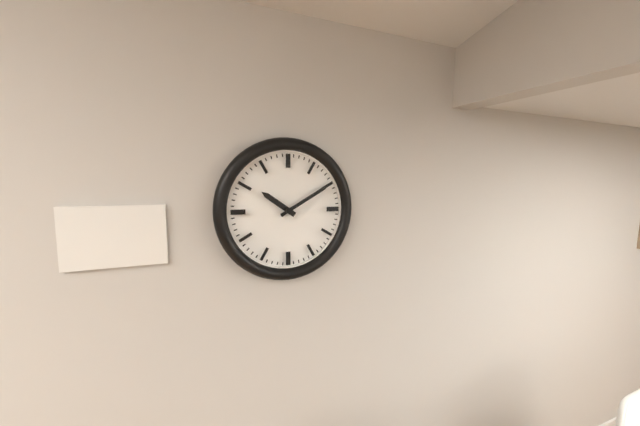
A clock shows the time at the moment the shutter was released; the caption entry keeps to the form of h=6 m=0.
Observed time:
h=10 m=10
